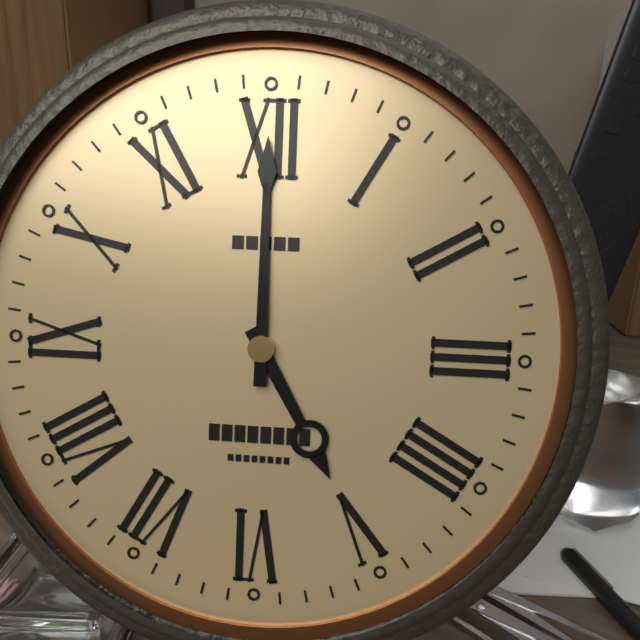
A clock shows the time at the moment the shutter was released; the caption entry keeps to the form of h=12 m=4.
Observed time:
h=5 m=0
